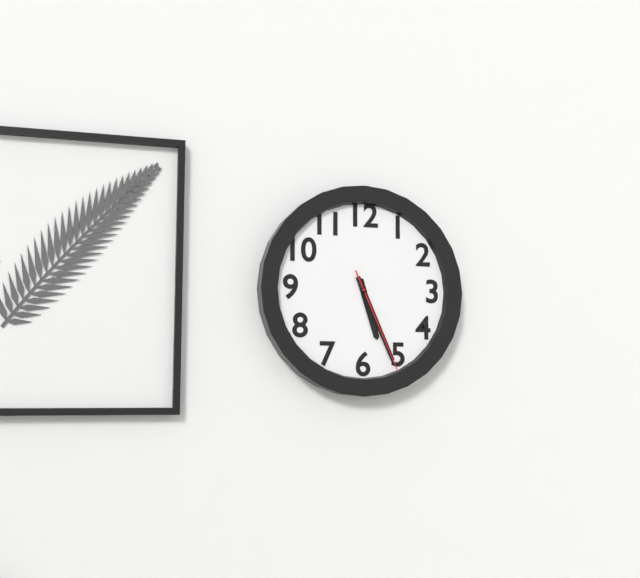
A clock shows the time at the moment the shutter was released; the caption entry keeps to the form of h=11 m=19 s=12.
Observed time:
h=5 m=26 s=26
